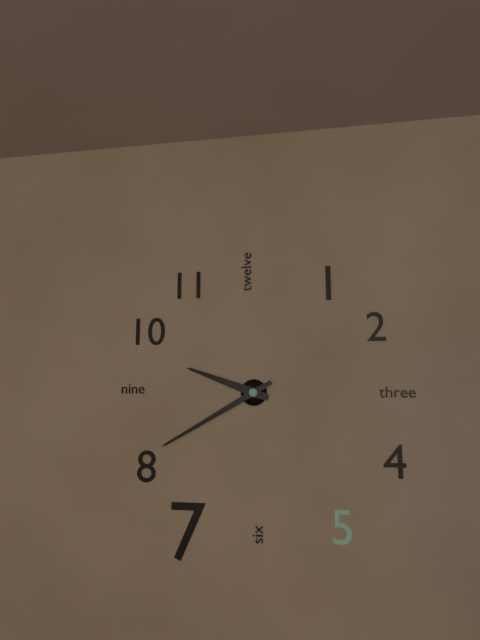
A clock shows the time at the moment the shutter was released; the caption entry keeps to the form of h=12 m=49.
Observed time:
h=9 m=40
